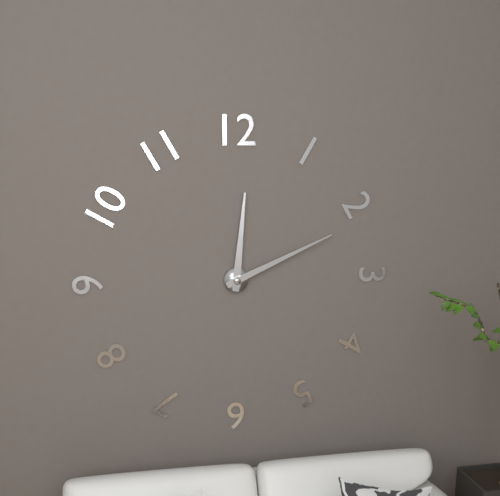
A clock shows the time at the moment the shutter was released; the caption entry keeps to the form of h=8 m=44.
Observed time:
h=12 m=11
